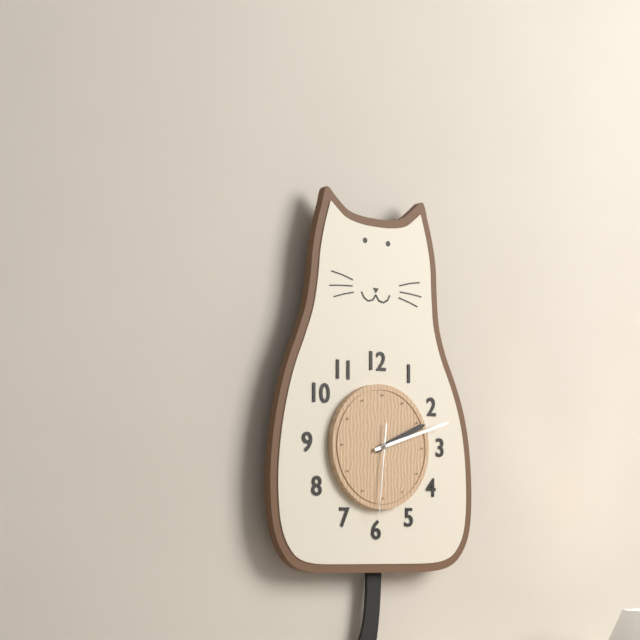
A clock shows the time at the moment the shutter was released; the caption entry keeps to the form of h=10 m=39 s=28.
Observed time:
h=2 m=12 s=31
